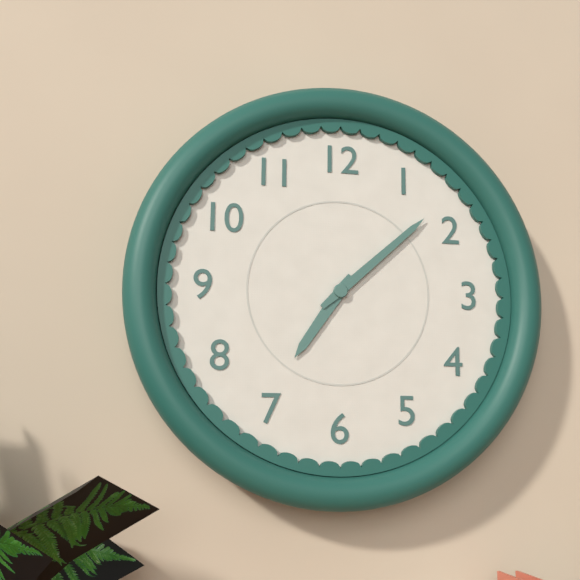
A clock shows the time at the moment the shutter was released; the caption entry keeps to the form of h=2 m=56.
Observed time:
h=7 m=8
